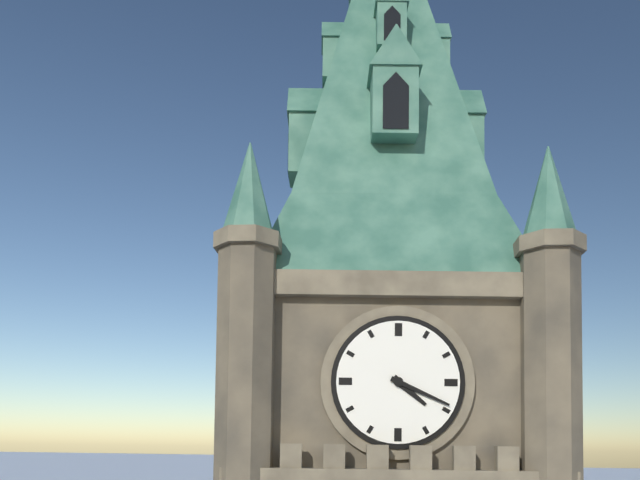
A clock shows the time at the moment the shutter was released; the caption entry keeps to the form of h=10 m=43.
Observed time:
h=4 m=19
